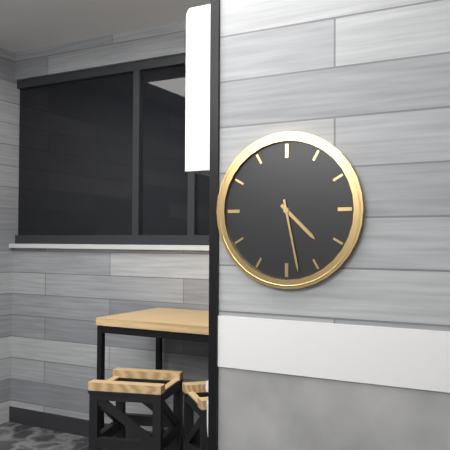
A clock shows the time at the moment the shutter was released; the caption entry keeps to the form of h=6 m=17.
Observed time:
h=4 m=28
